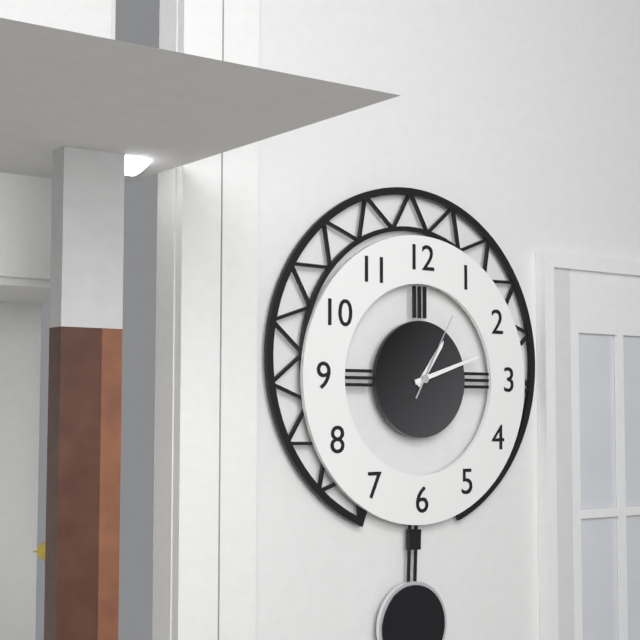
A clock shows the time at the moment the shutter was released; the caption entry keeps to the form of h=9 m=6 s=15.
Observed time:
h=1 m=12 s=5
